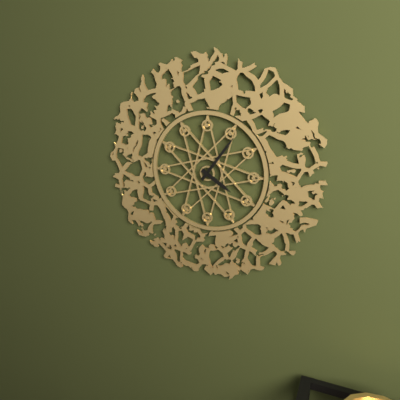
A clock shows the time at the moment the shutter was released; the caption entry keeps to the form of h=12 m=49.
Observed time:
h=4 m=6
